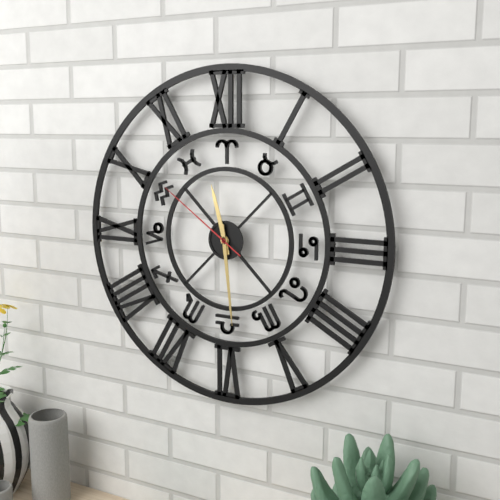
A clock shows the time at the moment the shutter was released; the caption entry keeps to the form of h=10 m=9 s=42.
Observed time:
h=11 m=29 s=51
